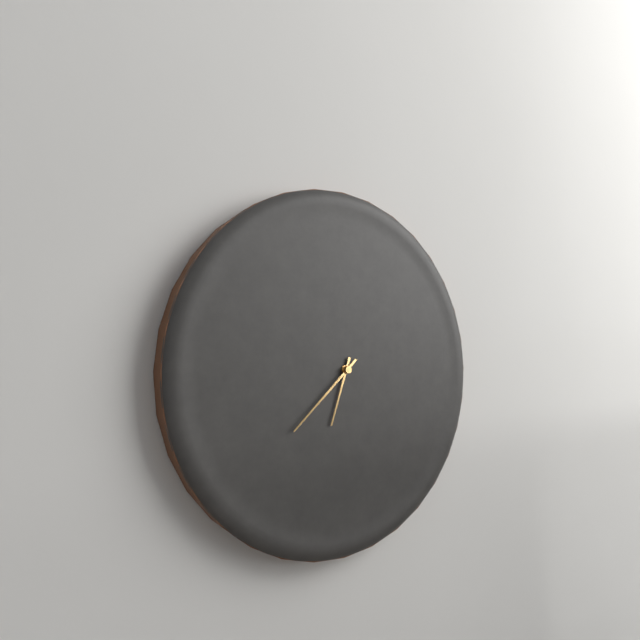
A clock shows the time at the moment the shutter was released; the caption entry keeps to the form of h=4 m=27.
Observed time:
h=6 m=38
